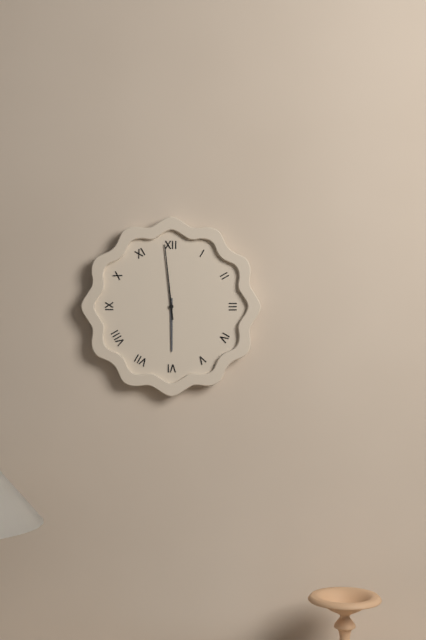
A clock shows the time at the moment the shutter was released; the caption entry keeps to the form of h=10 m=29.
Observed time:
h=5 m=59
